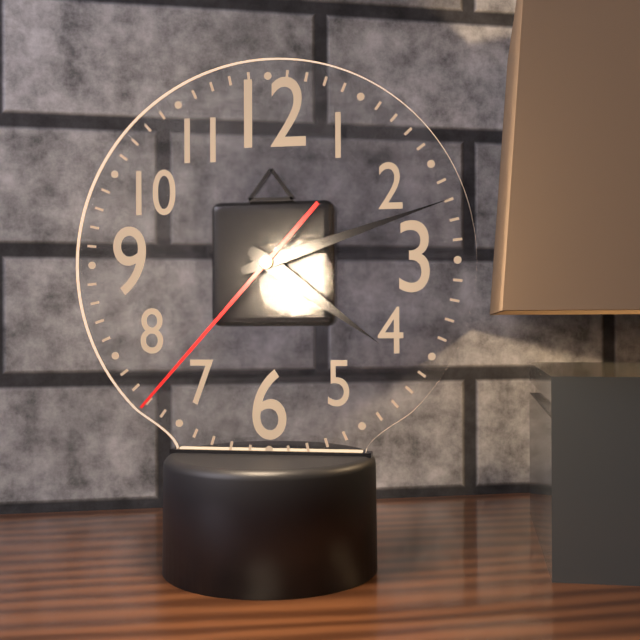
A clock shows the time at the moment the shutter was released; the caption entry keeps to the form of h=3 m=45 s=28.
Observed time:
h=4 m=12 s=37
